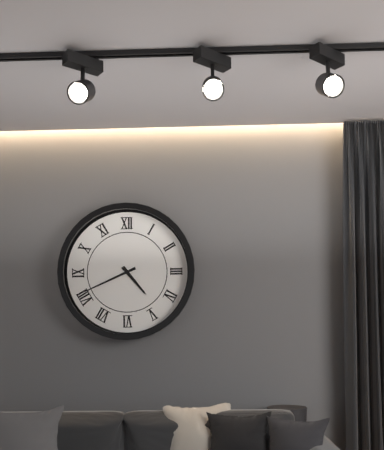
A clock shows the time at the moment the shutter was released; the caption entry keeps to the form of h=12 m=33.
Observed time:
h=4 m=41
